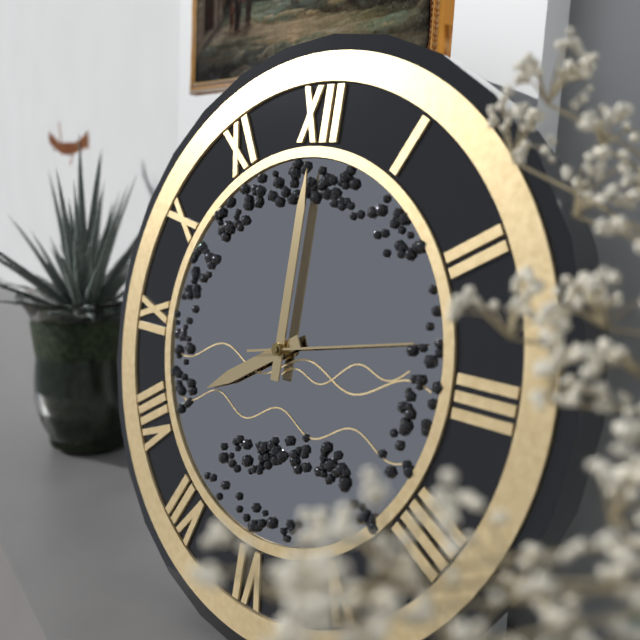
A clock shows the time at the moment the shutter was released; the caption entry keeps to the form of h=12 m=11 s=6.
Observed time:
h=8 m=0 s=13
